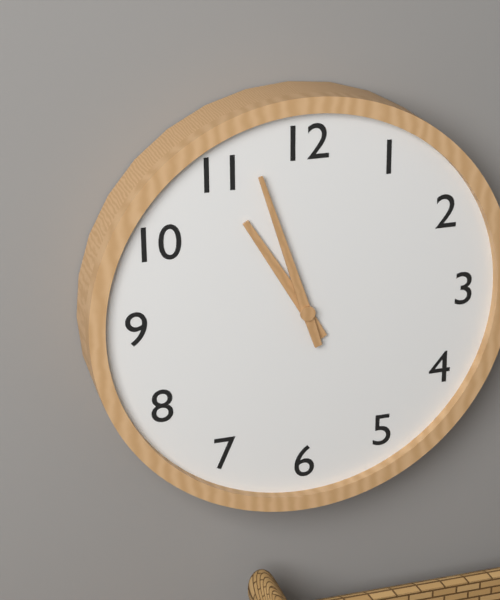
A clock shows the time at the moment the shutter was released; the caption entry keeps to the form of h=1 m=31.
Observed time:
h=10 m=57
